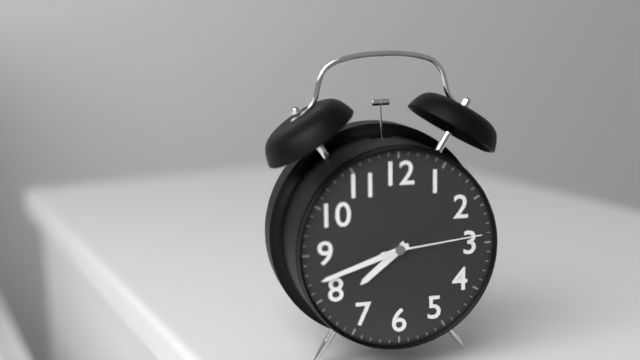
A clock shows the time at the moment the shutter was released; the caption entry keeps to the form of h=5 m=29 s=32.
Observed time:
h=7 m=42 s=14
